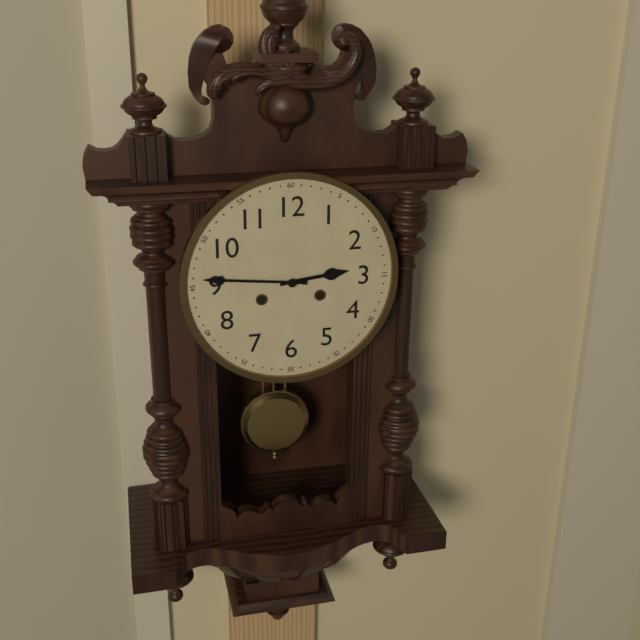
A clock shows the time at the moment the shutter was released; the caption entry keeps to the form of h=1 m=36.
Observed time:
h=2 m=46
